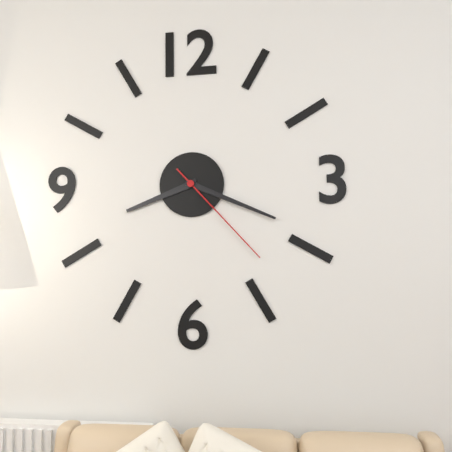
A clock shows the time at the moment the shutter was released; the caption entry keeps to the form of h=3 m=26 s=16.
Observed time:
h=8 m=19 s=23
